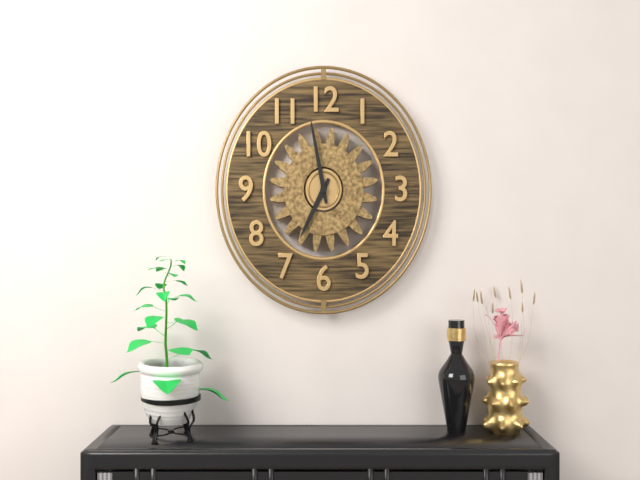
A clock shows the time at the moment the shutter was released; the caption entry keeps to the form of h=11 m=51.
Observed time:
h=6 m=58
